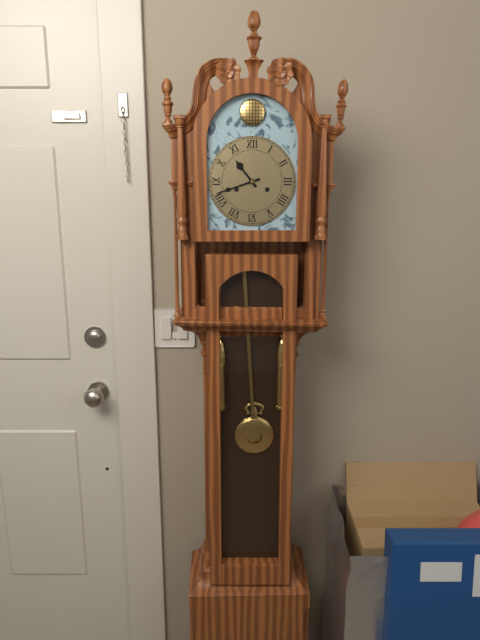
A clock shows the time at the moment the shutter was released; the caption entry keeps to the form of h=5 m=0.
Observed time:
h=10 m=42
